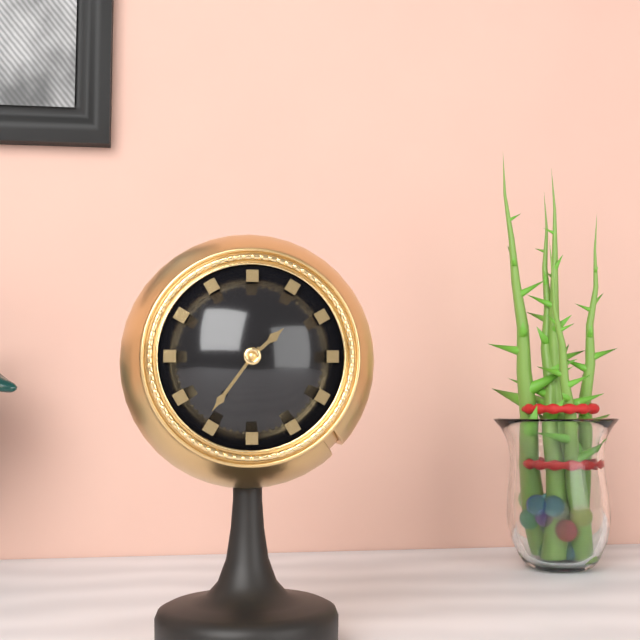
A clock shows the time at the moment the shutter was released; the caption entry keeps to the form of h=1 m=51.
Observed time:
h=1 m=36
